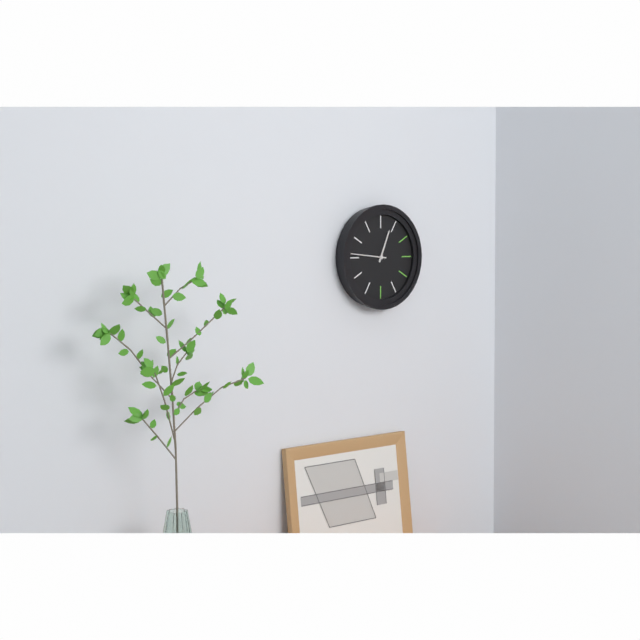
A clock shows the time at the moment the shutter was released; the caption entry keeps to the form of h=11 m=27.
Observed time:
h=12 m=46
